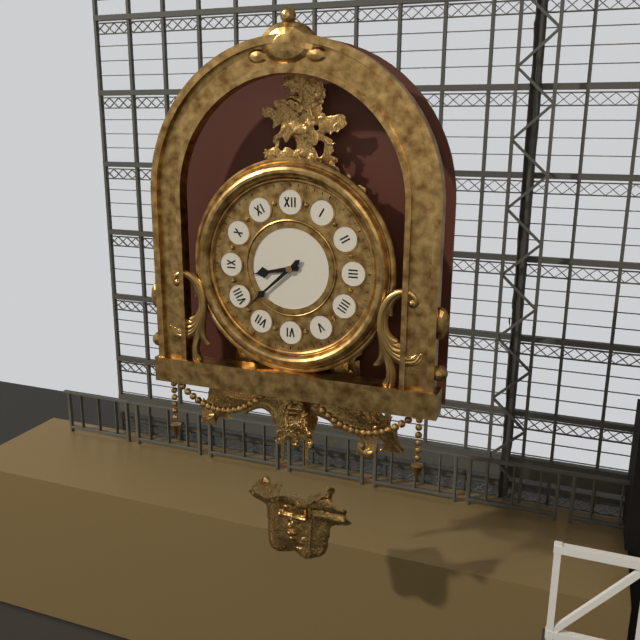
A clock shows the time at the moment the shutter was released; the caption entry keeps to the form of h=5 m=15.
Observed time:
h=8 m=38
